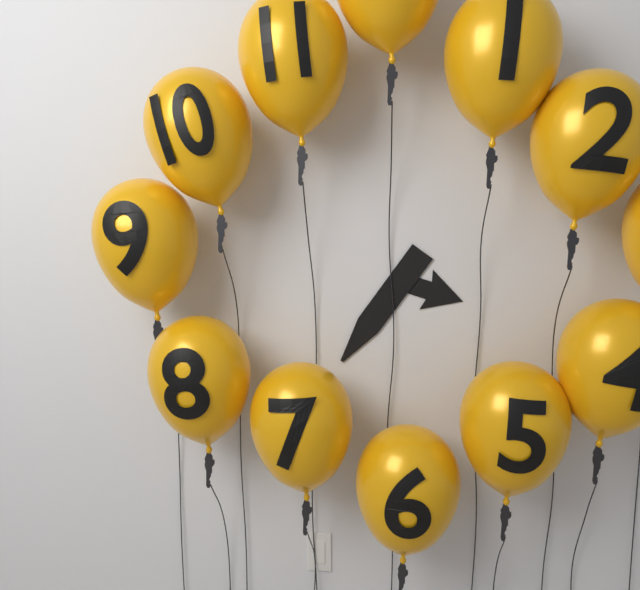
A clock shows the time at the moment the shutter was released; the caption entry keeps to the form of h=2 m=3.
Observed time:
h=3 m=36
